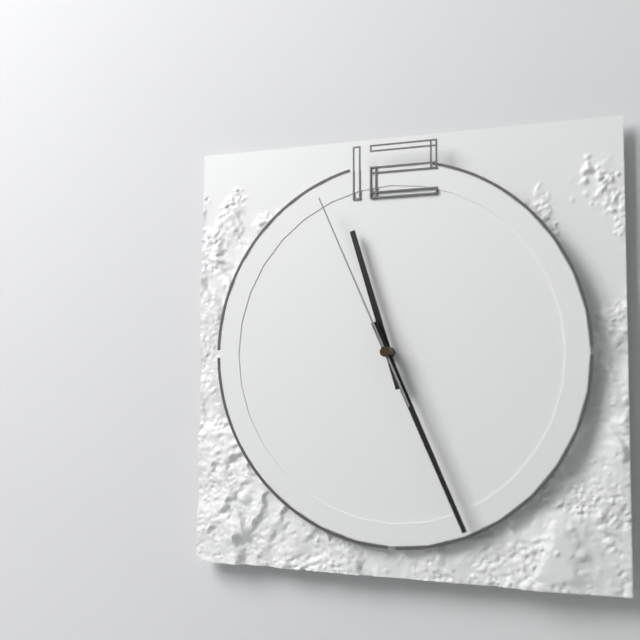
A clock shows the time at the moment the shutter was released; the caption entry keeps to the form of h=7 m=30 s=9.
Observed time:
h=11 m=26 s=56
